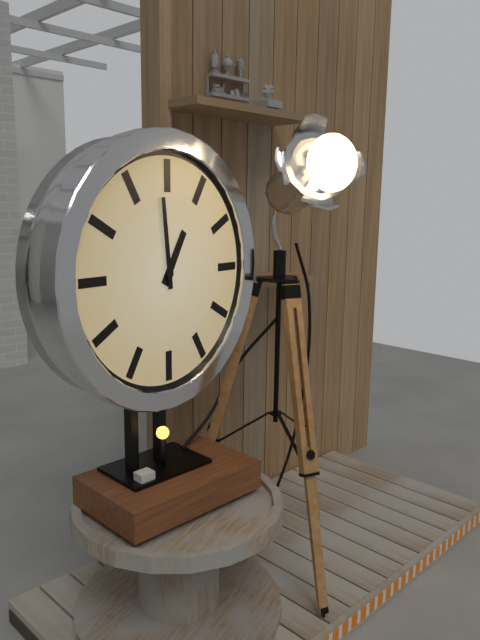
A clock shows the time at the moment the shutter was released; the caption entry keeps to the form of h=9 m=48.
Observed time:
h=12 m=59
